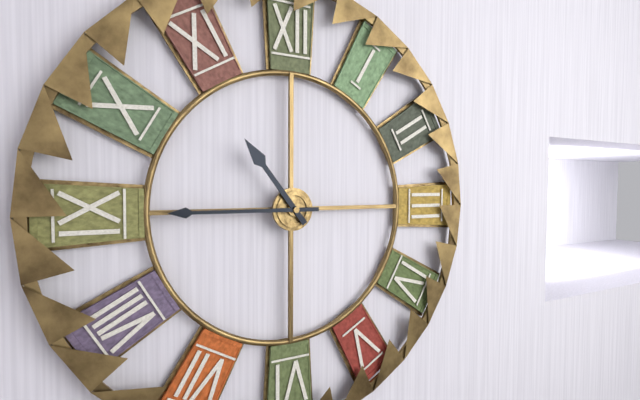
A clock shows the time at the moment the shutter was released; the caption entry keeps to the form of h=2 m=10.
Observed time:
h=10 m=45
